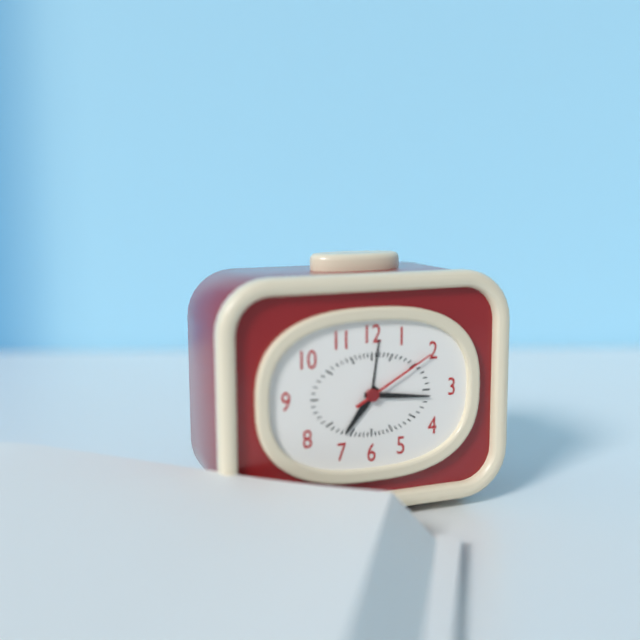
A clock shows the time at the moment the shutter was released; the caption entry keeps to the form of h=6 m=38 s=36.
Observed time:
h=7 m=16 s=10
